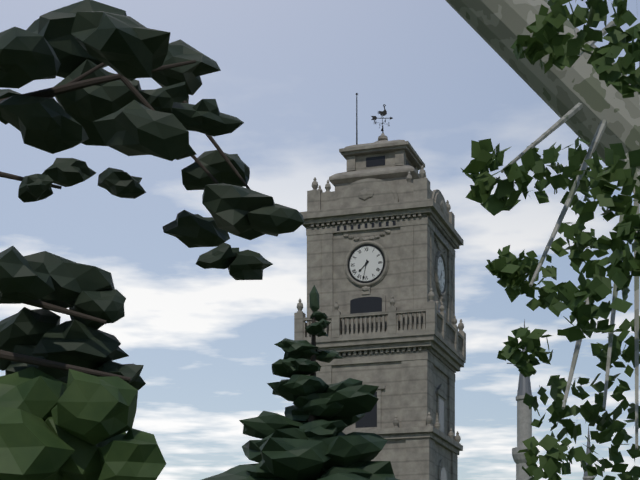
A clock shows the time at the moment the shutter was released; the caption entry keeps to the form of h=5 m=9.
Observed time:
h=7 m=32
